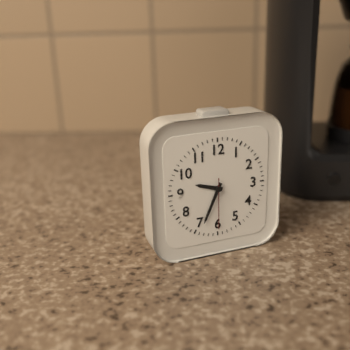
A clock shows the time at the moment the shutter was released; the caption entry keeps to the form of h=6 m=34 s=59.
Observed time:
h=9 m=34 s=30
